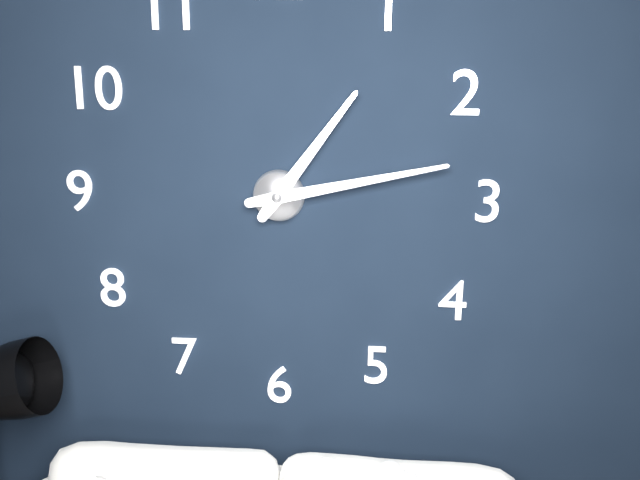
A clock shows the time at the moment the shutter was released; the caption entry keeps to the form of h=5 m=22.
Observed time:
h=1 m=13
